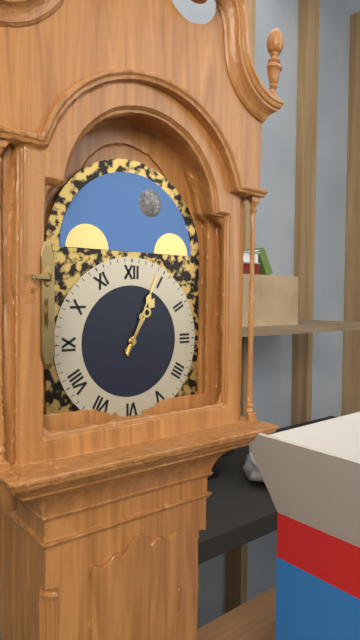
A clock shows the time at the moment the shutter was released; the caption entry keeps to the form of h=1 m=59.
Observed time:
h=1 m=4
